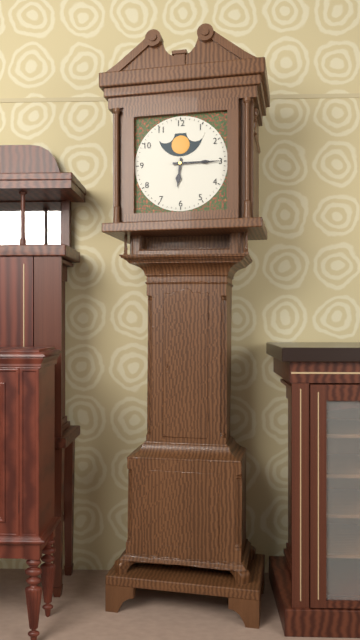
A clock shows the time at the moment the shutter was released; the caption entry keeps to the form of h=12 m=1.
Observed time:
h=6 m=15
